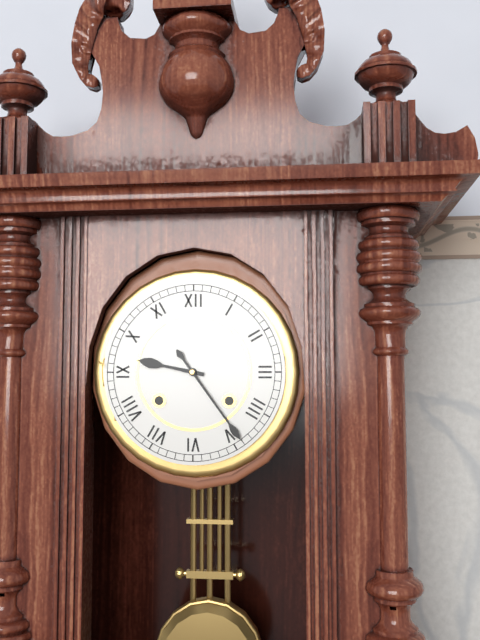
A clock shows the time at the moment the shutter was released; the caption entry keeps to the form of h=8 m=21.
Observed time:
h=9 m=24
